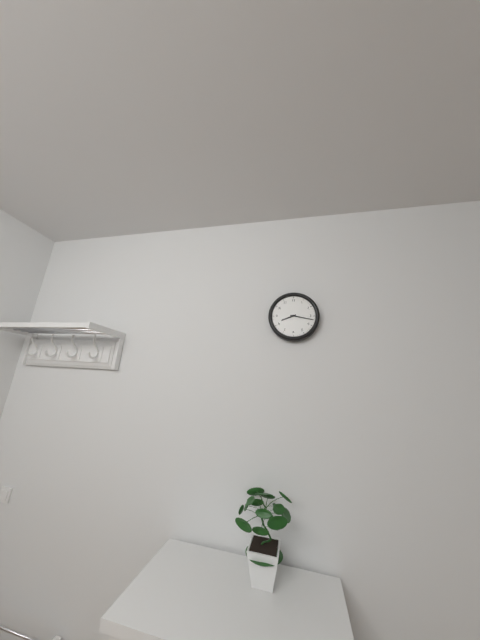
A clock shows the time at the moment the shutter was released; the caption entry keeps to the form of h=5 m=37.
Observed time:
h=8 m=17
